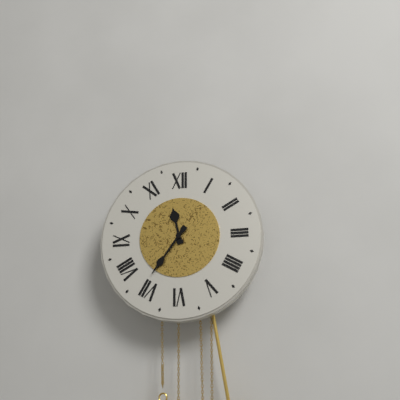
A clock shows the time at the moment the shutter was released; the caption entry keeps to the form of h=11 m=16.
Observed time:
h=11 m=36
